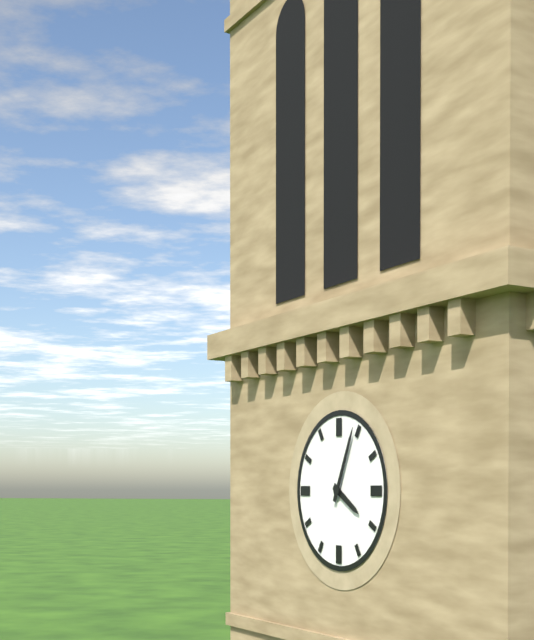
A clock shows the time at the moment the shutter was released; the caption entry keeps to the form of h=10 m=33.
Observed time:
h=4 m=4
